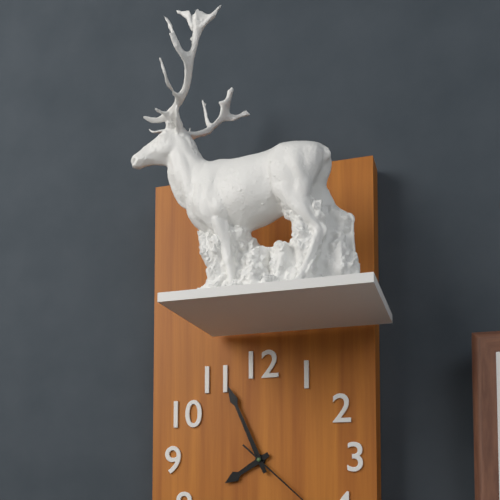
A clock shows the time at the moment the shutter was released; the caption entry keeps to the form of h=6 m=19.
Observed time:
h=7 m=56
